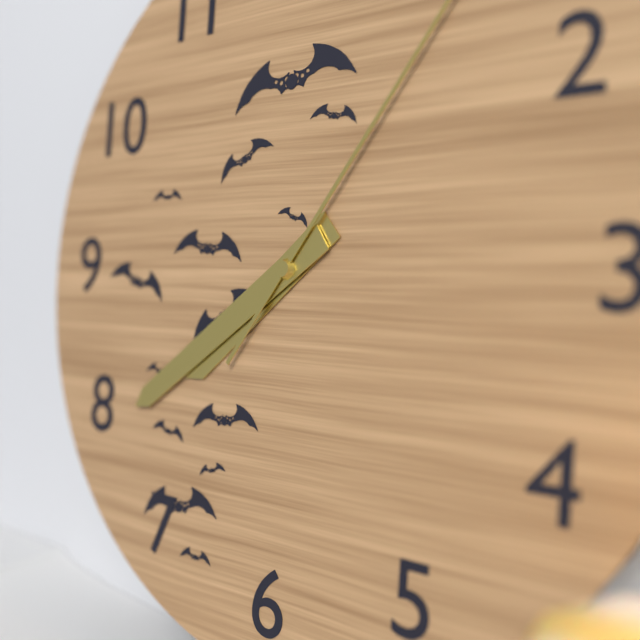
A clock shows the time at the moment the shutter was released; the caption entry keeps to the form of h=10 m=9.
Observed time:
h=7 m=39
